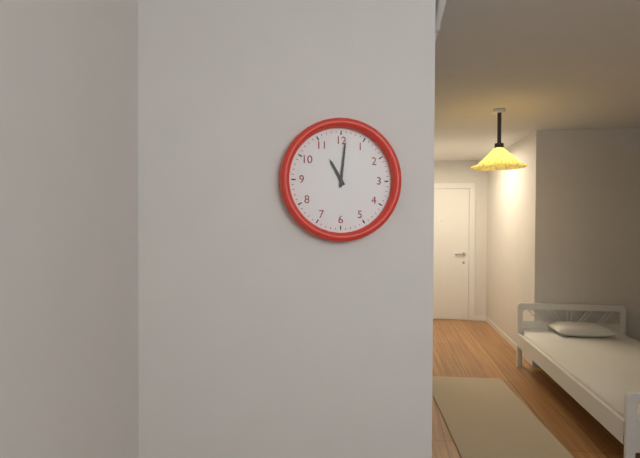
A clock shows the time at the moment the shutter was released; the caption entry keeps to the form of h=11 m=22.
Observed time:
h=11 m=1
